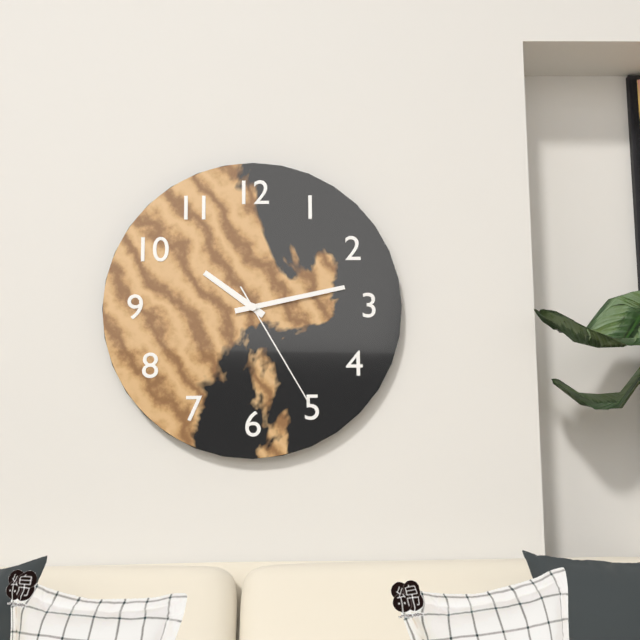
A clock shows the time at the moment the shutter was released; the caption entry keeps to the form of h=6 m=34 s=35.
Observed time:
h=10 m=13 s=25
